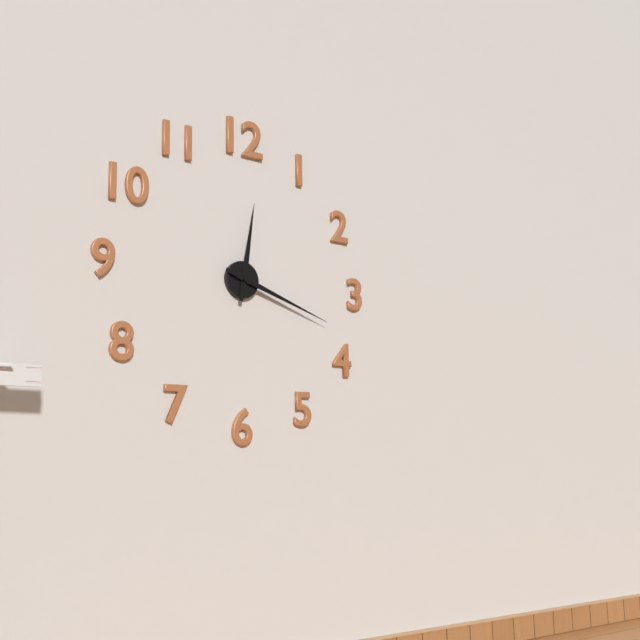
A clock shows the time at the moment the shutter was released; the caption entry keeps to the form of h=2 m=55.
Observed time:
h=12 m=18
